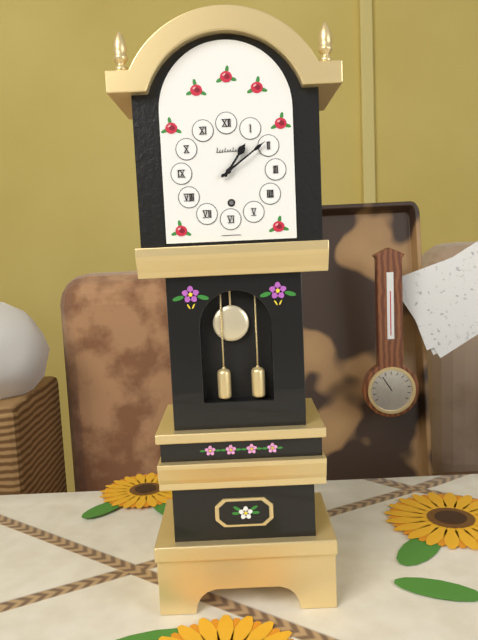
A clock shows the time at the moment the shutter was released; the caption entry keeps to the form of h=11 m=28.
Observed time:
h=1 m=9
